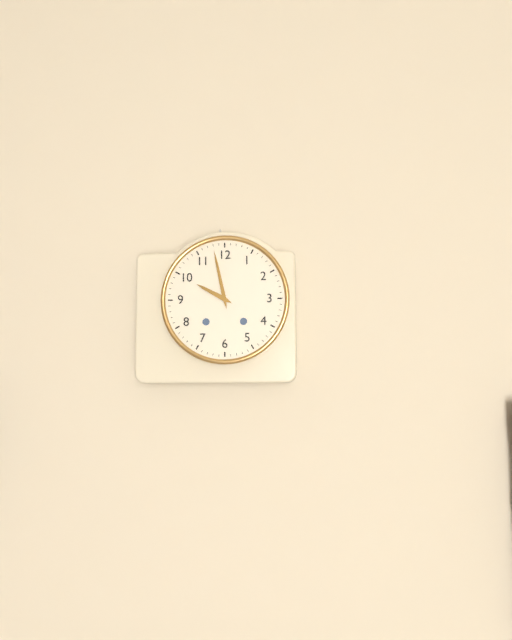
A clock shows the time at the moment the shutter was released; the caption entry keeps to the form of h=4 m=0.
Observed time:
h=9 m=58
